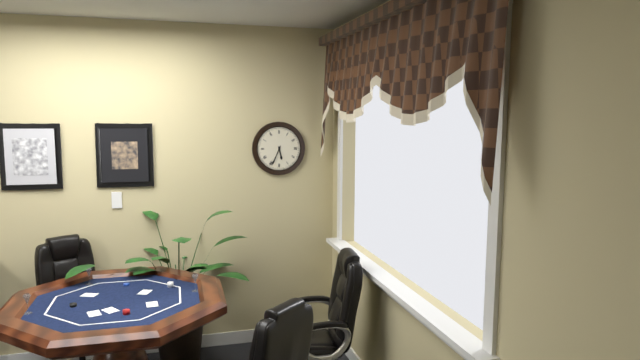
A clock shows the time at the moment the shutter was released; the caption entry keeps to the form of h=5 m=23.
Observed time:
h=5 m=34
